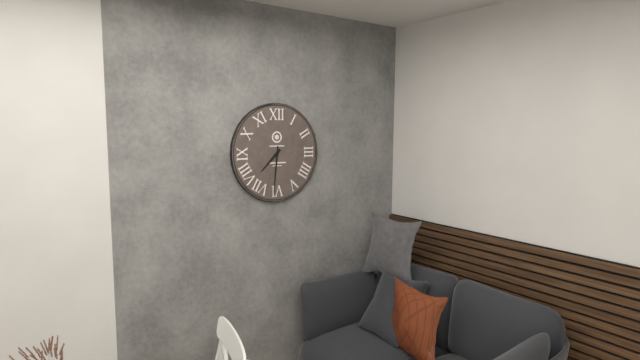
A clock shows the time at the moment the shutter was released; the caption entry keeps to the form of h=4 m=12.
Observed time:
h=7 m=31
